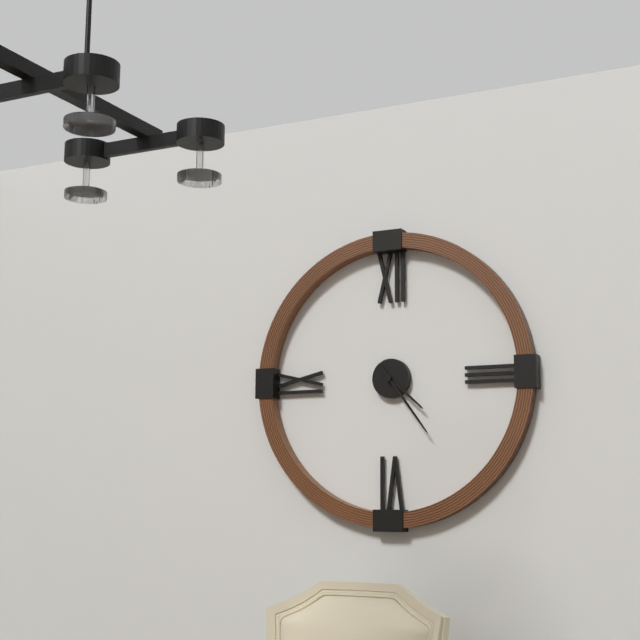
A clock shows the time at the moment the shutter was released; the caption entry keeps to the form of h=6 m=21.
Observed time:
h=4 m=24
